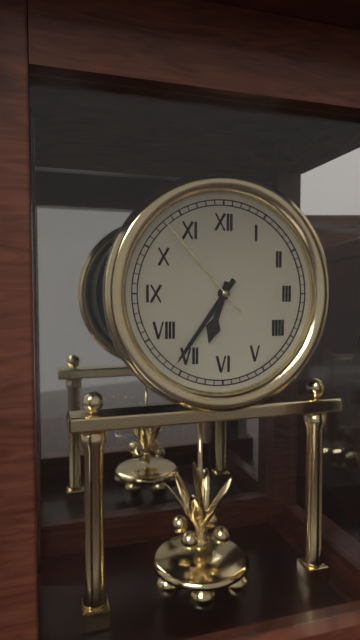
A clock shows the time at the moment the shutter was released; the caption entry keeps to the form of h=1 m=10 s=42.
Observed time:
h=6 m=36 s=53
